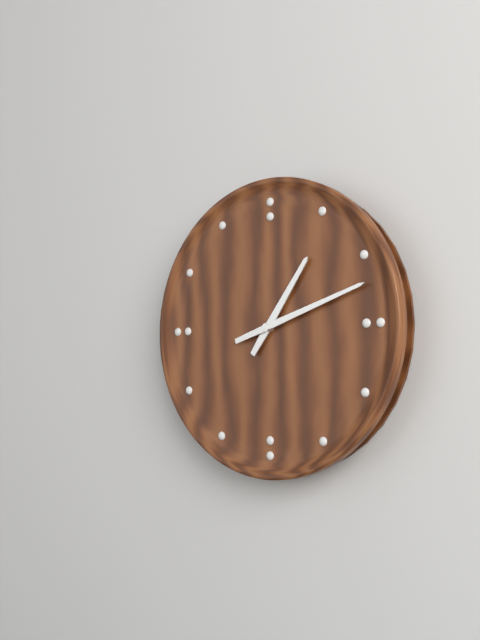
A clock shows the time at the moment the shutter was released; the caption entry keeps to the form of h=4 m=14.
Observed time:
h=1 m=12
